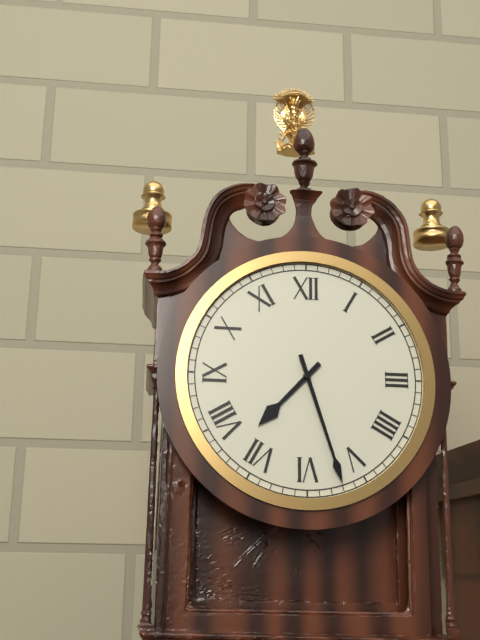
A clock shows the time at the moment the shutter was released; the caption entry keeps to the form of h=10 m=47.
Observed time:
h=7 m=27
